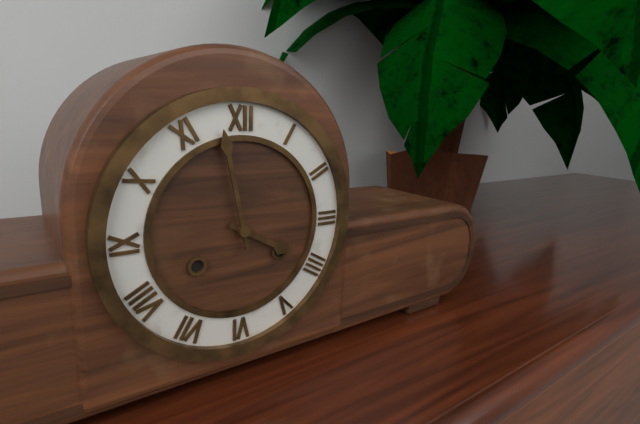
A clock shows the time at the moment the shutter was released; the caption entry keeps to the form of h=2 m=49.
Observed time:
h=3 m=58
